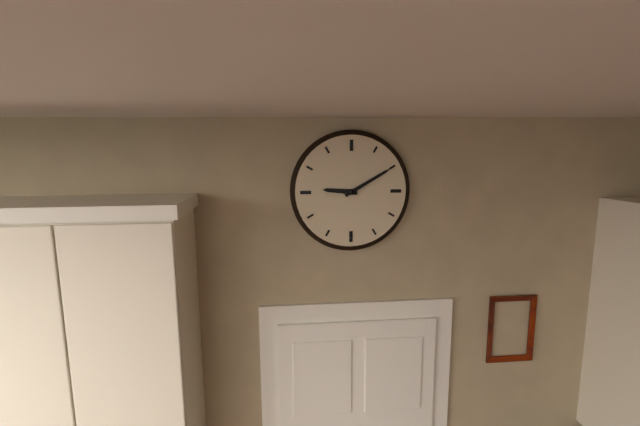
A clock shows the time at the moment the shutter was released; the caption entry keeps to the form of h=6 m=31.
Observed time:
h=9 m=10
